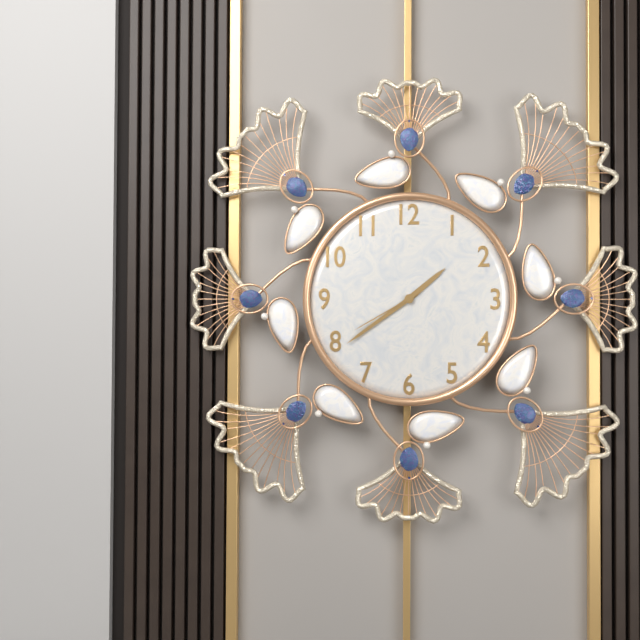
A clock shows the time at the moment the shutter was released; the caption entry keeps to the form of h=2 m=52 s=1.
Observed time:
h=1 m=39 s=40
